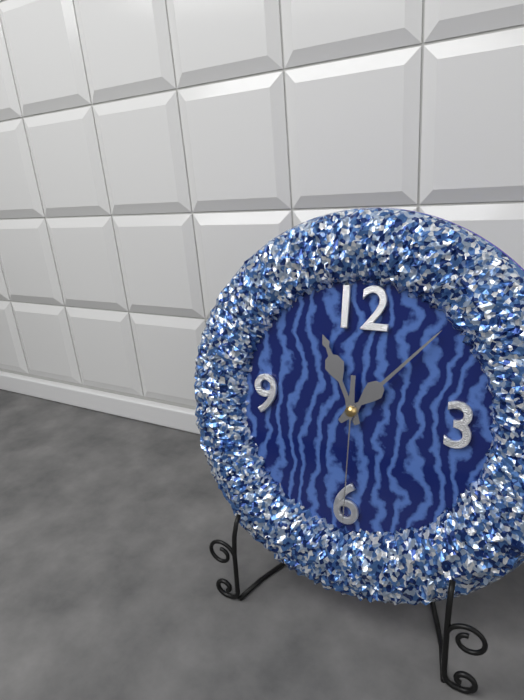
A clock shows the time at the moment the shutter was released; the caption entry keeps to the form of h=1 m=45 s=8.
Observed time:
h=11 m=7 s=30
